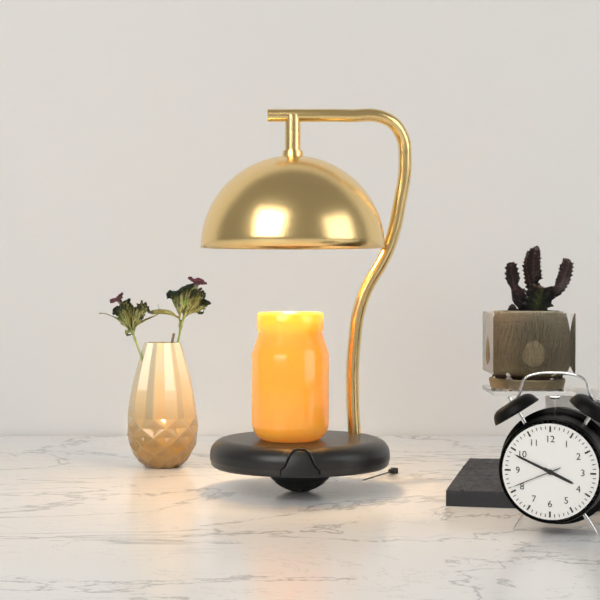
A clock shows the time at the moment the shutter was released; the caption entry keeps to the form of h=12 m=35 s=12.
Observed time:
h=3 m=49 s=41
